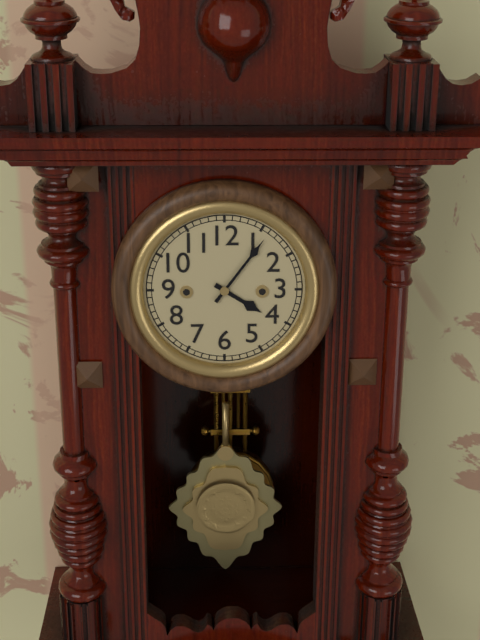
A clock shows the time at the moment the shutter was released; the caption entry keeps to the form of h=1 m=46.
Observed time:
h=4 m=6
